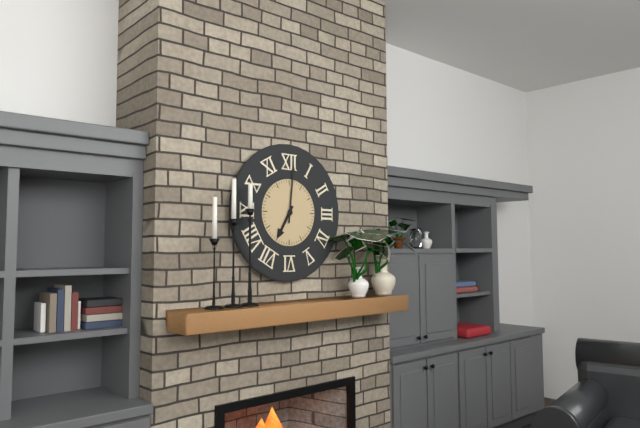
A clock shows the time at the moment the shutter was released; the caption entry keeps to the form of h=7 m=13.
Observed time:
h=7 m=1
